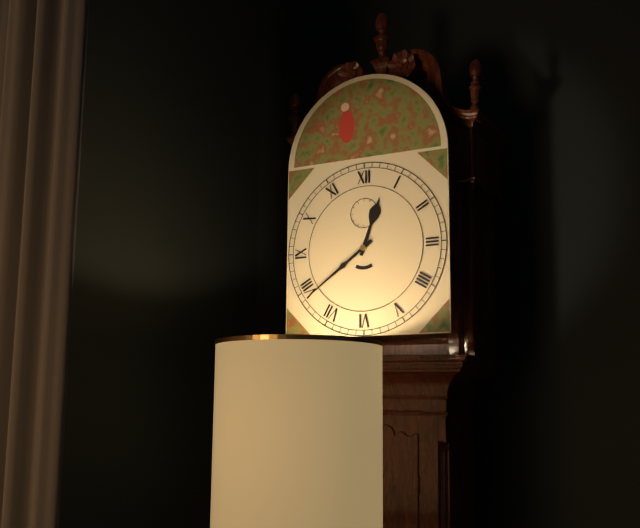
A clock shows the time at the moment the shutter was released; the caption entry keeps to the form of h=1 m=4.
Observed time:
h=12 m=39
